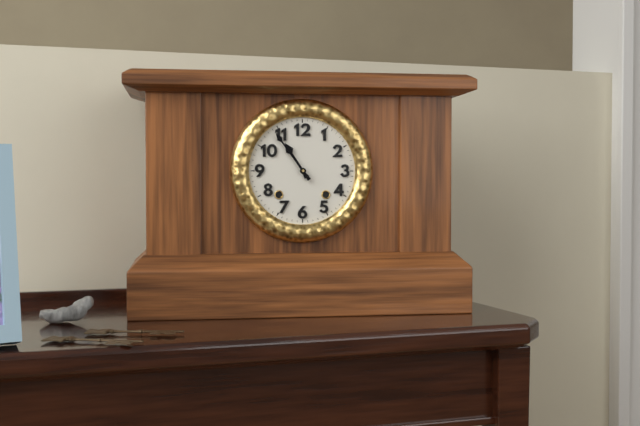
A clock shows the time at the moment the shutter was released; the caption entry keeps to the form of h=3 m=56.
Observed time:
h=10 m=54
